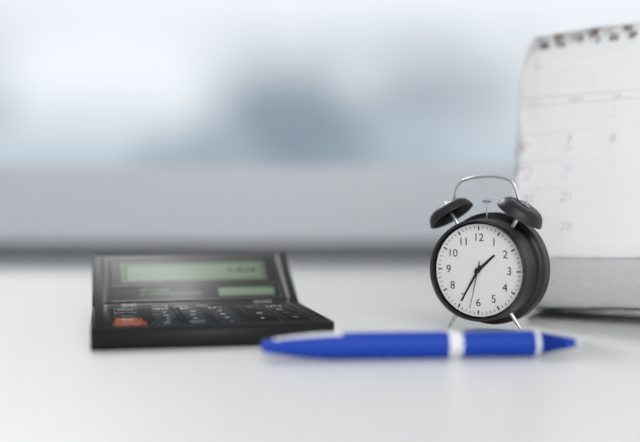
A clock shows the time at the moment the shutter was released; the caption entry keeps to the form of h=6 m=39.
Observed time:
h=1 m=35
